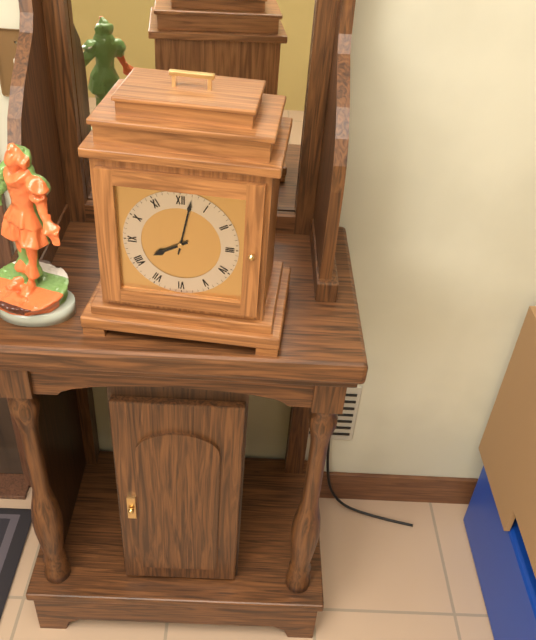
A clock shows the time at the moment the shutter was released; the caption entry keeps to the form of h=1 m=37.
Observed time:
h=8 m=2
